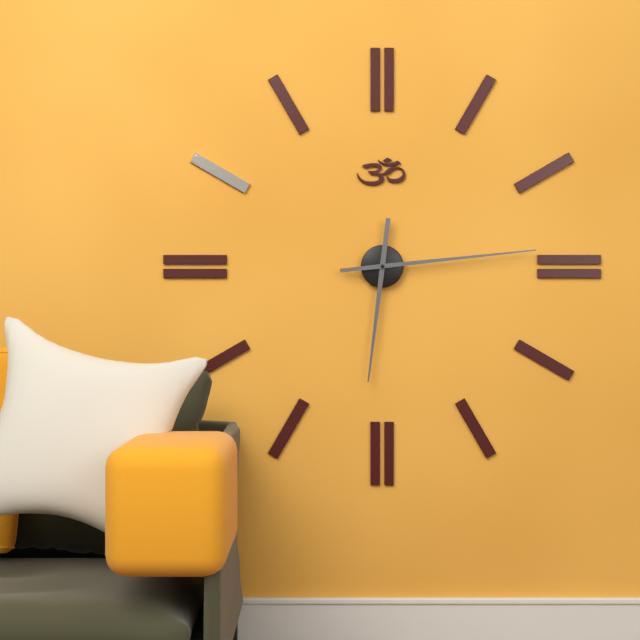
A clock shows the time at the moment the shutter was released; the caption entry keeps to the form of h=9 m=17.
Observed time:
h=6 m=14
